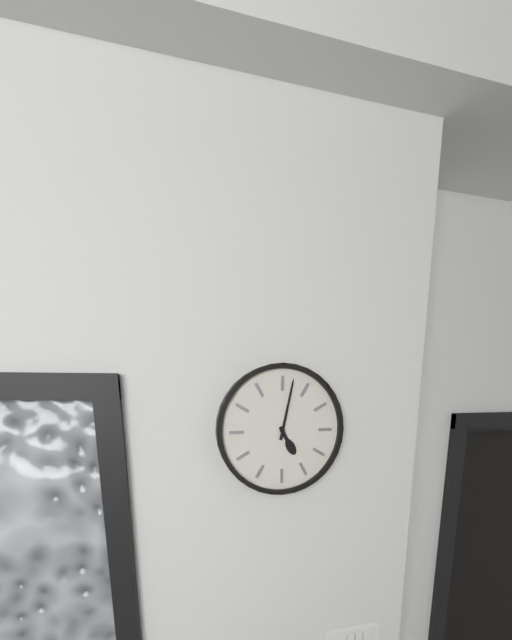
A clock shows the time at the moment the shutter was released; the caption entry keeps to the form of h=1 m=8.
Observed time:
h=5 m=2
